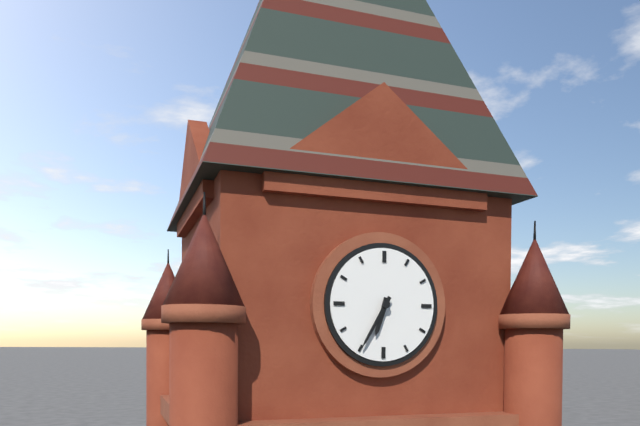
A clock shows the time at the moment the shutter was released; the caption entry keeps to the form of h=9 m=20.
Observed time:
h=6 m=35
